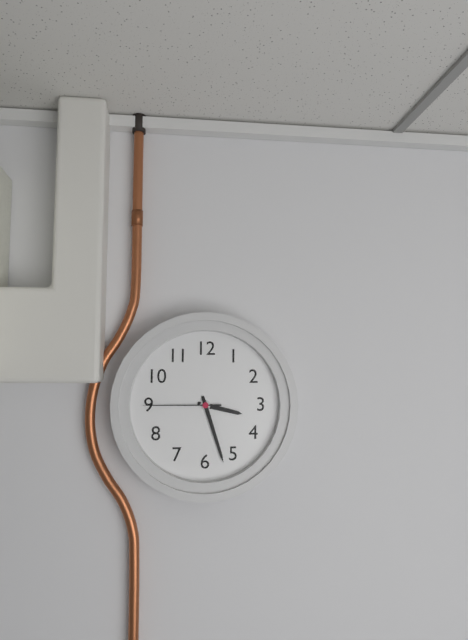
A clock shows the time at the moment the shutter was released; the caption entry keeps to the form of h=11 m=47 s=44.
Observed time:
h=3 m=27 s=45
